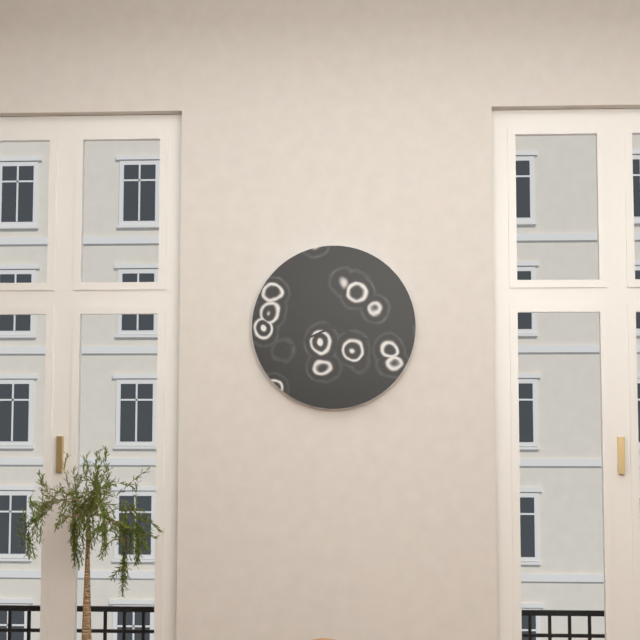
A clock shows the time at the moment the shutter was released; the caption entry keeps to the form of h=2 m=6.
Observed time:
h=3 m=41
